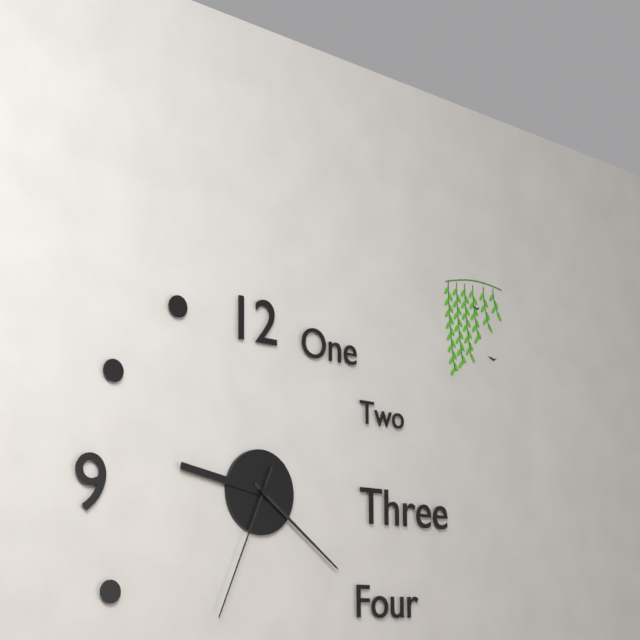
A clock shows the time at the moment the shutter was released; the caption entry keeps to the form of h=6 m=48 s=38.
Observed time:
h=9 m=21 s=34
